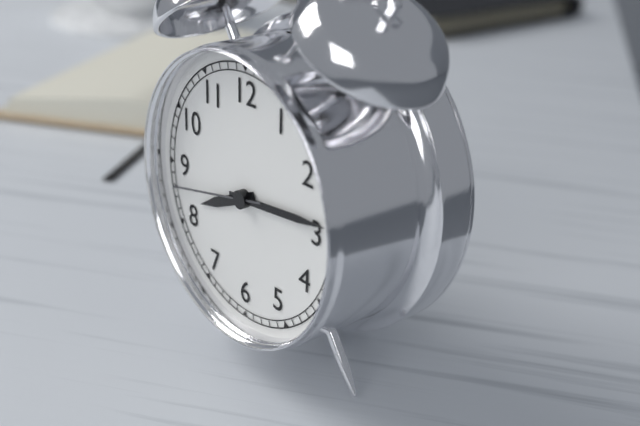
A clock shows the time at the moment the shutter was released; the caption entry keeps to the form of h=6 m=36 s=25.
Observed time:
h=8 m=14 s=43
